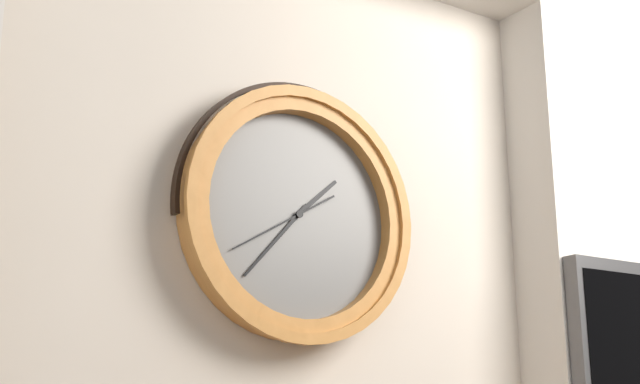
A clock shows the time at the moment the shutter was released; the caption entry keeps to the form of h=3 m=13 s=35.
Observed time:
h=1 m=37 s=40
